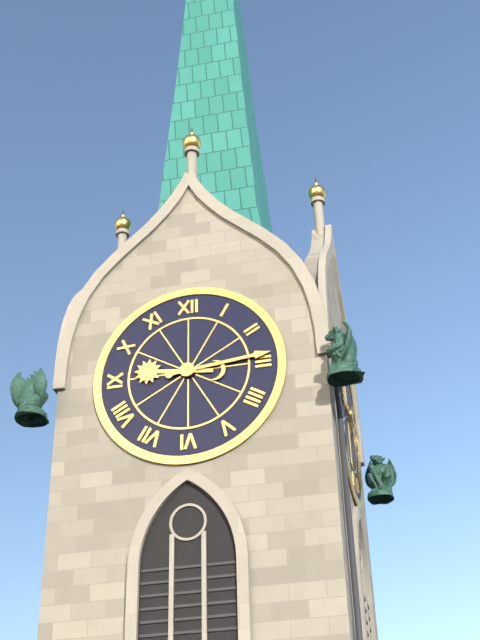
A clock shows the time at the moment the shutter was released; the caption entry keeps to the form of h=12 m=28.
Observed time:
h=9 m=14
